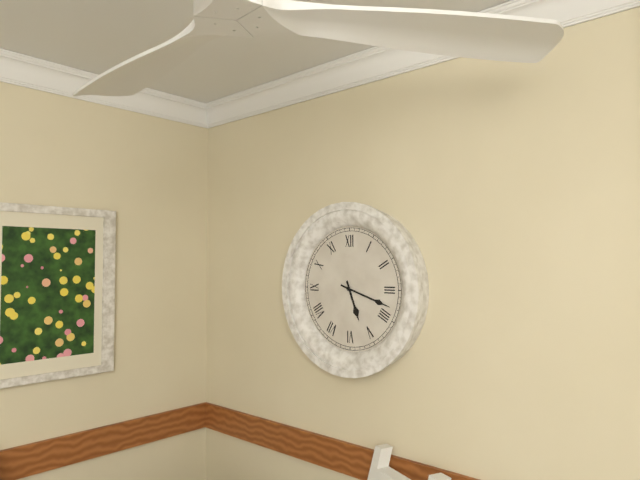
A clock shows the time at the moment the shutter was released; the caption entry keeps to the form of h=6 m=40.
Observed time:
h=5 m=18
